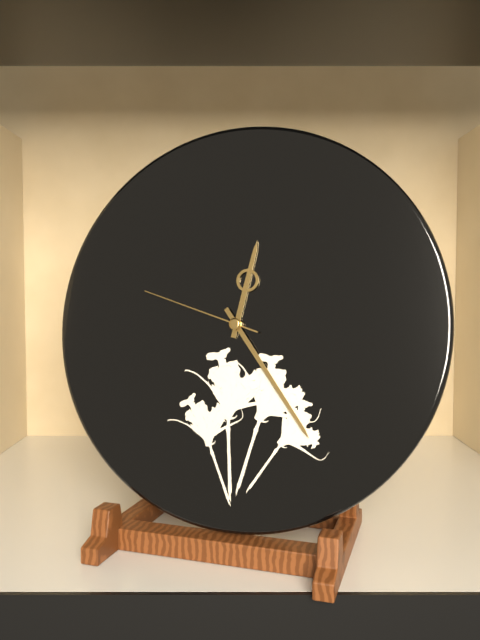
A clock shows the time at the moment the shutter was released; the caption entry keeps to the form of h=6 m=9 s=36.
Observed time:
h=12 m=24 s=48
